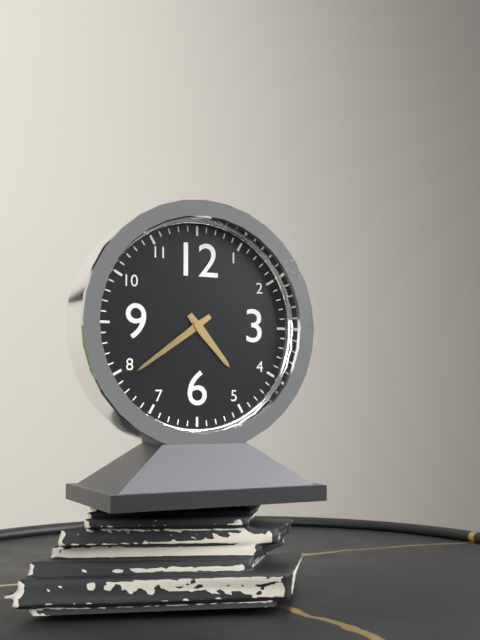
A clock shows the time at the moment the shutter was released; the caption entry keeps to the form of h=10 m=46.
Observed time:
h=4 m=39
